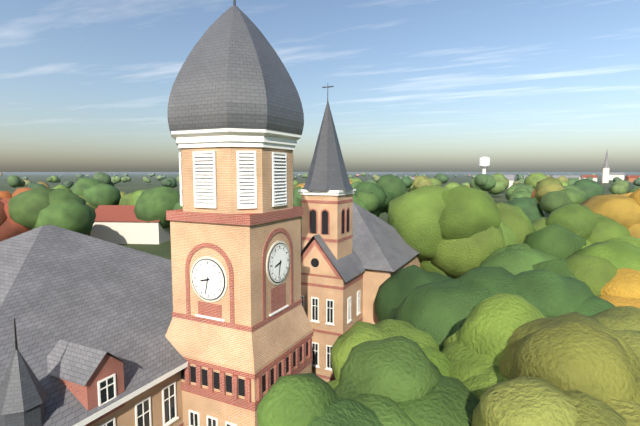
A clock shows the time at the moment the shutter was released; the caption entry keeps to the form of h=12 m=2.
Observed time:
h=8 m=32
